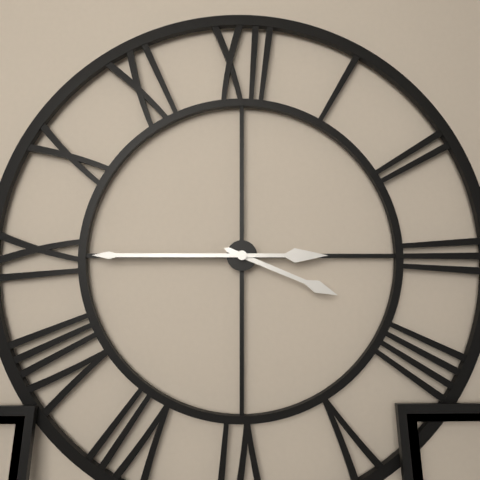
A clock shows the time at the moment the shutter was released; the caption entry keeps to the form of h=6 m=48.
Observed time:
h=3 m=45
